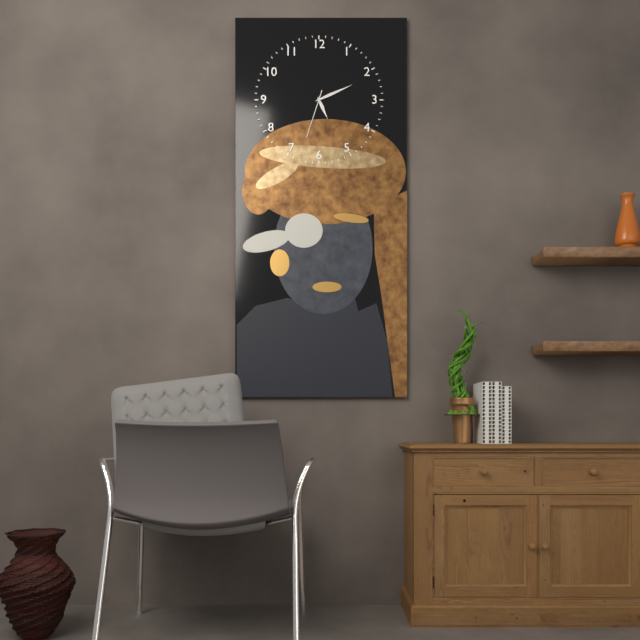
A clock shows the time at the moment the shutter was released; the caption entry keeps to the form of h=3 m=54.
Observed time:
h=5 m=11
